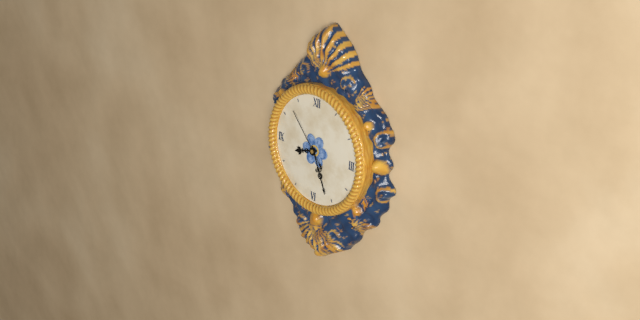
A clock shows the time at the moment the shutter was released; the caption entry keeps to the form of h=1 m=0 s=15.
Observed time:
h=8 m=26 s=53
